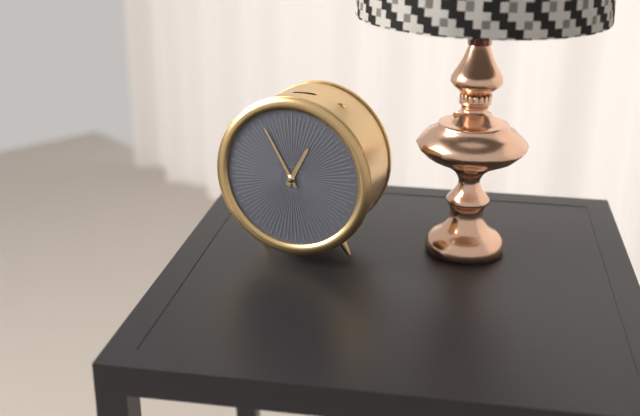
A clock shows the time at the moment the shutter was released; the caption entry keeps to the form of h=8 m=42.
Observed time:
h=12 m=55
